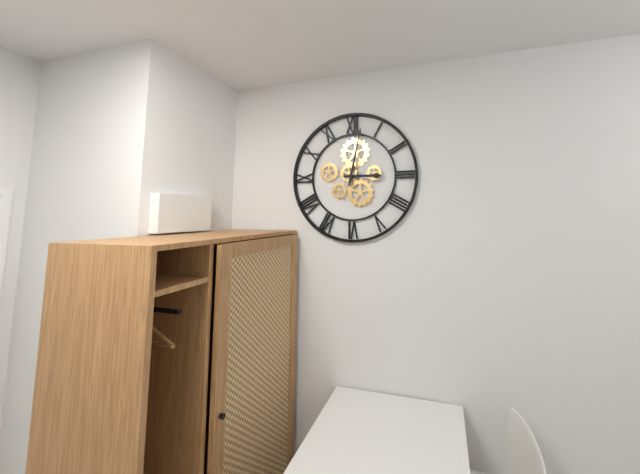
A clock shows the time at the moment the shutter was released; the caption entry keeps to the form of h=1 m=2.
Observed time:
h=3 m=2
